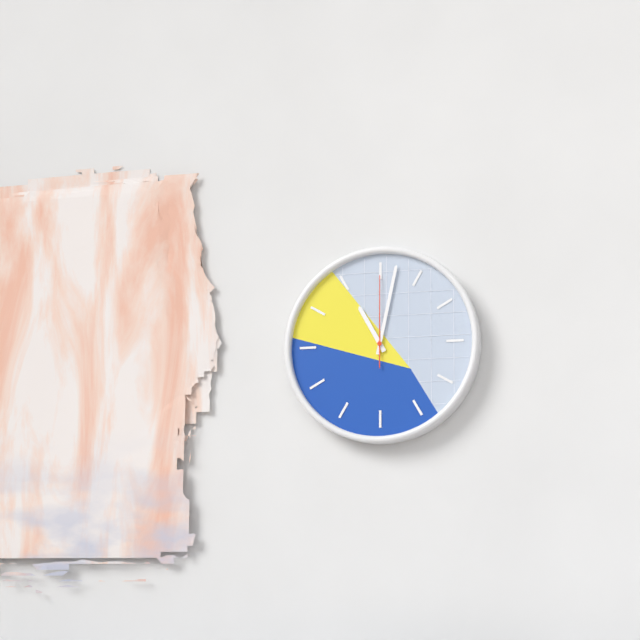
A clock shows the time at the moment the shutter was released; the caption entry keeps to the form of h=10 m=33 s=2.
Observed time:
h=11 m=2 s=0
